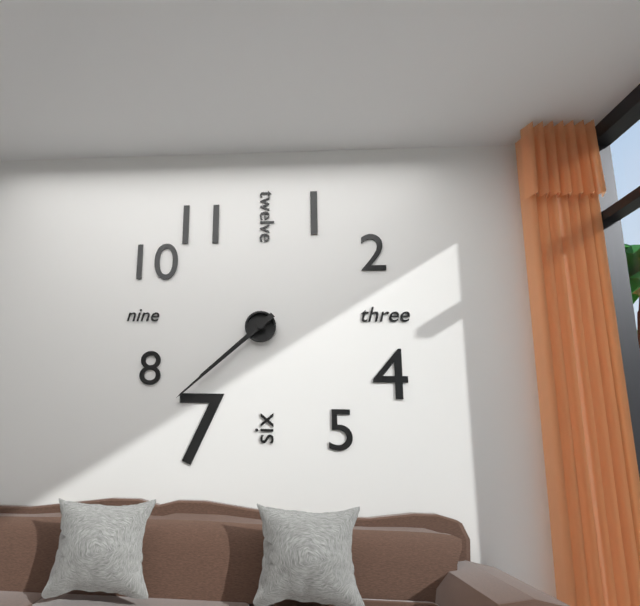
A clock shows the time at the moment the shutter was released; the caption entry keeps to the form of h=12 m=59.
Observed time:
h=7 m=38
